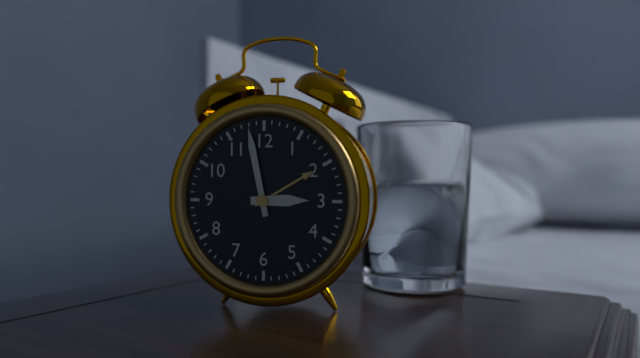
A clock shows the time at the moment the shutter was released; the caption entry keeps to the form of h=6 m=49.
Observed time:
h=2 m=58
